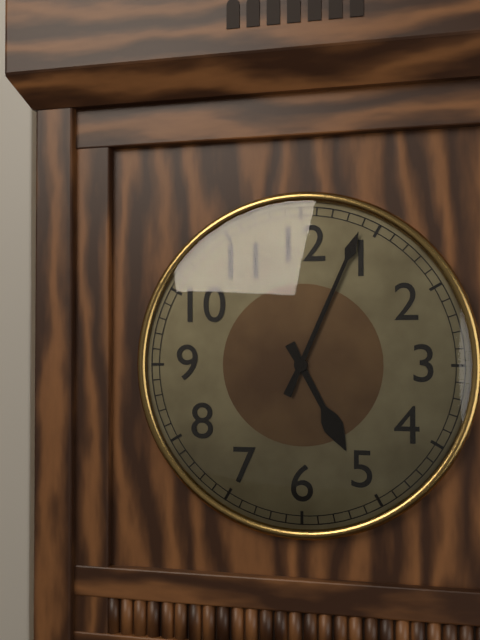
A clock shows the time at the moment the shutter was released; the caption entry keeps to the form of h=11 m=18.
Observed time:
h=5 m=4
